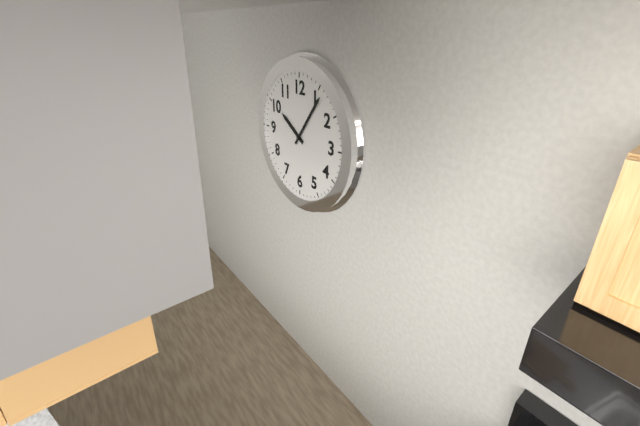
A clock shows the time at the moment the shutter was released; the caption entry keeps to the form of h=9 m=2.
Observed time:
h=10 m=6
